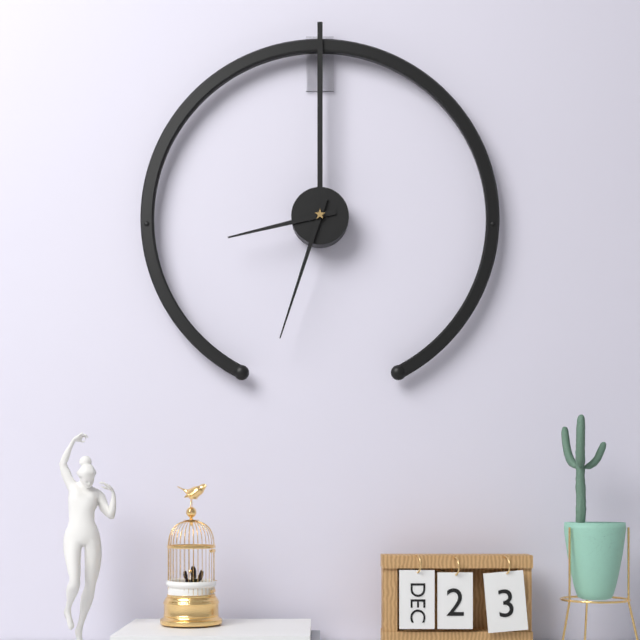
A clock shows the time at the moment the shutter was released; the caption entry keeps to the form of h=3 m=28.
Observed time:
h=8 m=33
